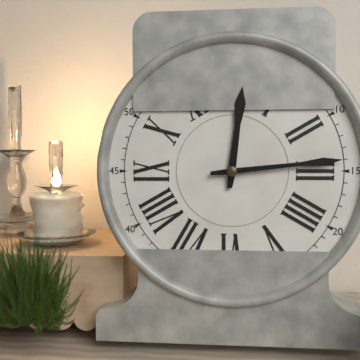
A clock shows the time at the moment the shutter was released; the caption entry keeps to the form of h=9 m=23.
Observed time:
h=12 m=14
